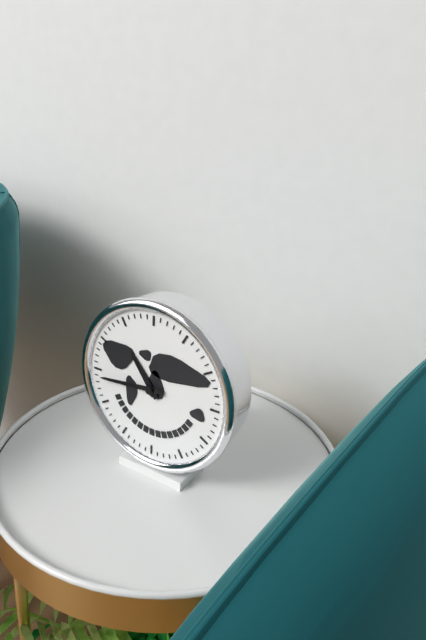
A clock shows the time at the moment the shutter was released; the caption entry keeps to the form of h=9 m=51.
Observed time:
h=10 m=44
